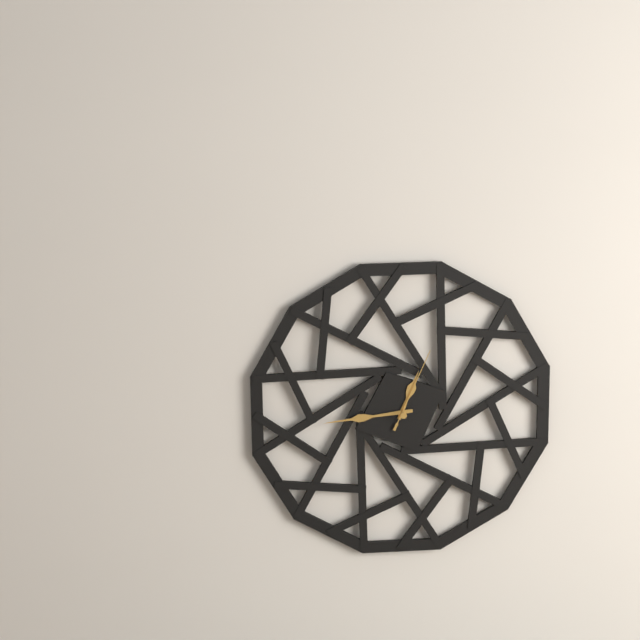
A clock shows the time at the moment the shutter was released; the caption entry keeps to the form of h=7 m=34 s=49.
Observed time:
h=12 m=44 s=4
